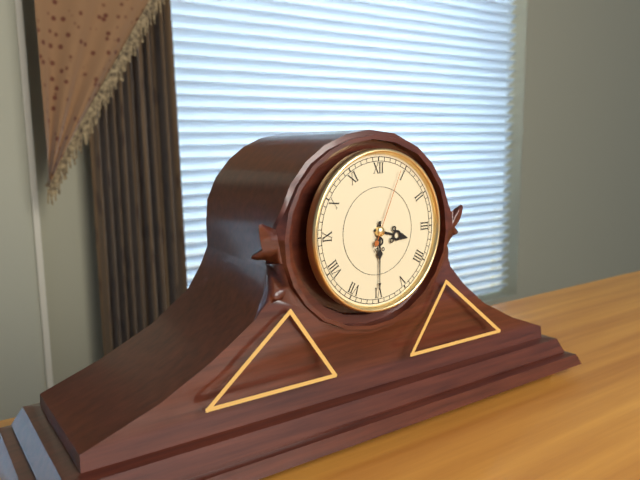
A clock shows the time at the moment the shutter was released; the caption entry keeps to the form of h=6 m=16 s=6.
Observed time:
h=3 m=30 s=4
